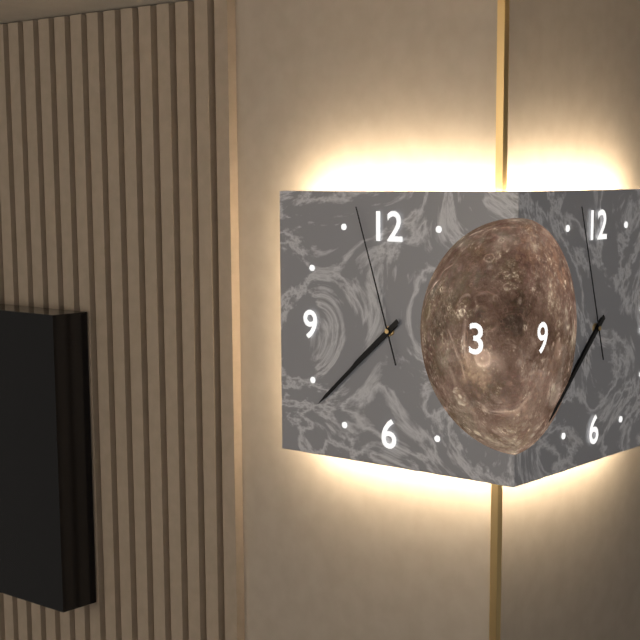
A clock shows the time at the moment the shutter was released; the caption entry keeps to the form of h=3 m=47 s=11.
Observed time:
h=7 m=38 s=57
